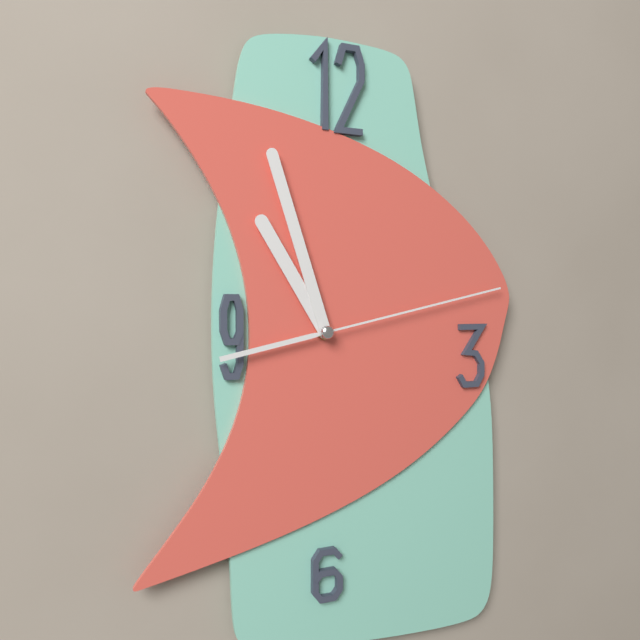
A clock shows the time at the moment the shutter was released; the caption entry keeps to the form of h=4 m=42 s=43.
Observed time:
h=10 m=57 s=13
